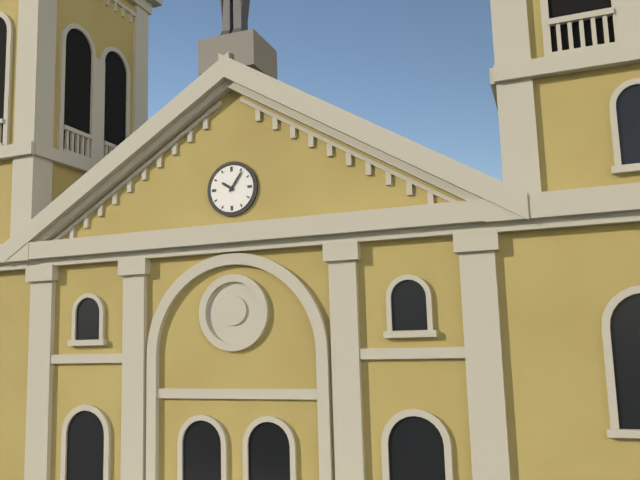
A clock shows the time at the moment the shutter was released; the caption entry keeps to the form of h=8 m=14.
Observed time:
h=10 m=6
